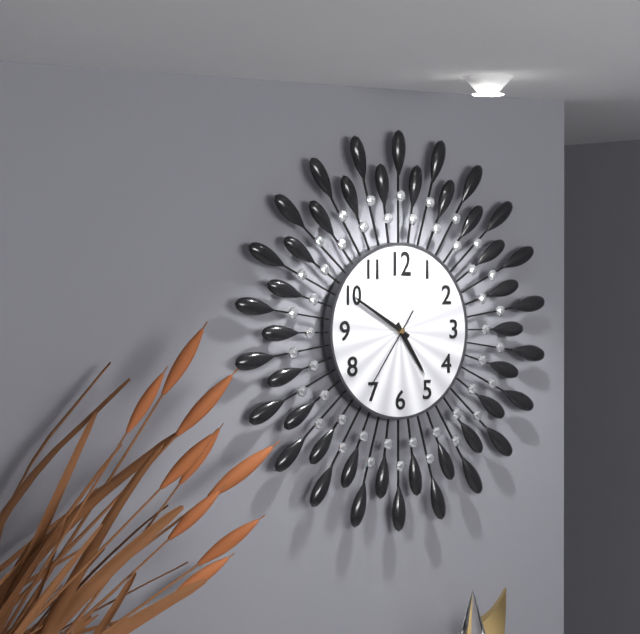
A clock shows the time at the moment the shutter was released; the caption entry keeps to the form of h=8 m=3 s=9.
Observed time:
h=4 m=50 s=36
